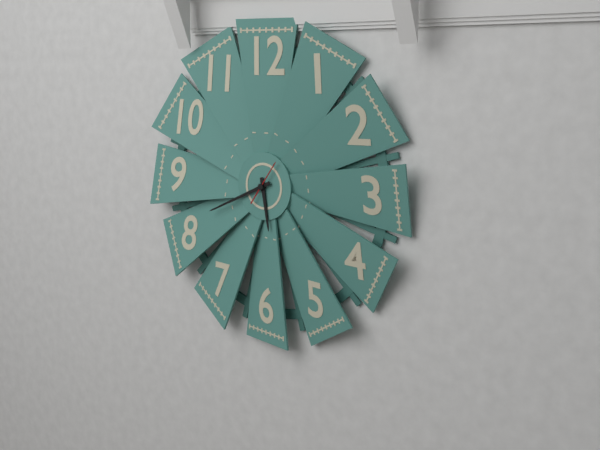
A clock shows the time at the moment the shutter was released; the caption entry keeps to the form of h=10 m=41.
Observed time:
h=5 m=41
